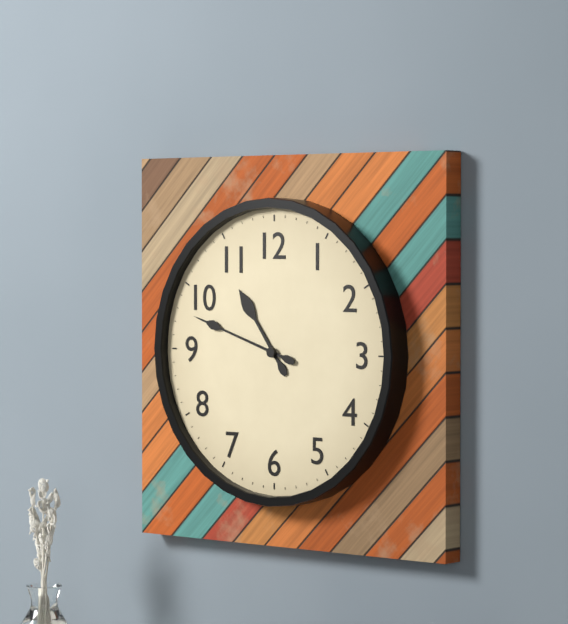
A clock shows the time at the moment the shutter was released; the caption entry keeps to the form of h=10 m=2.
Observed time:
h=10 m=48
